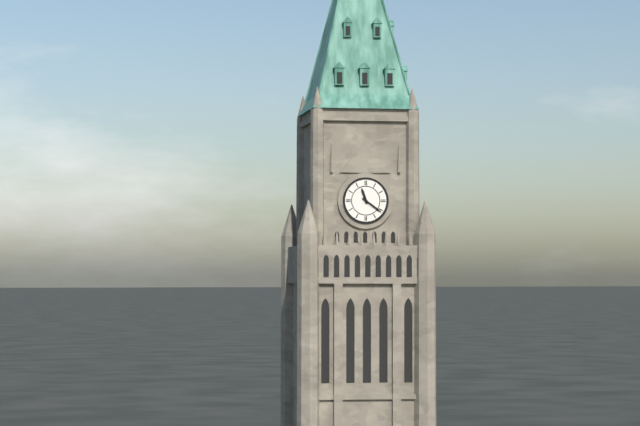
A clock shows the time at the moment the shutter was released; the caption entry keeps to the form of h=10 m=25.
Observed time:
h=11 m=21
